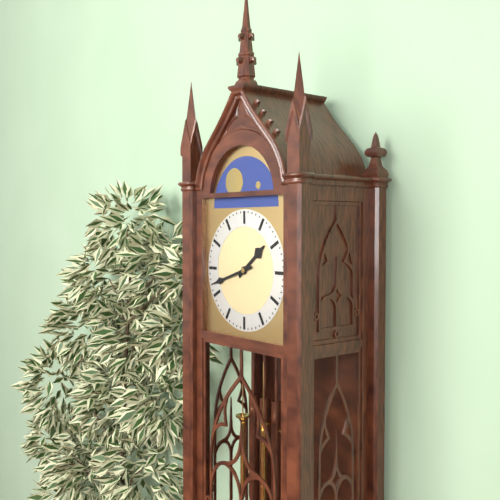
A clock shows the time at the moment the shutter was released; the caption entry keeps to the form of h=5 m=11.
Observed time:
h=1 m=42
